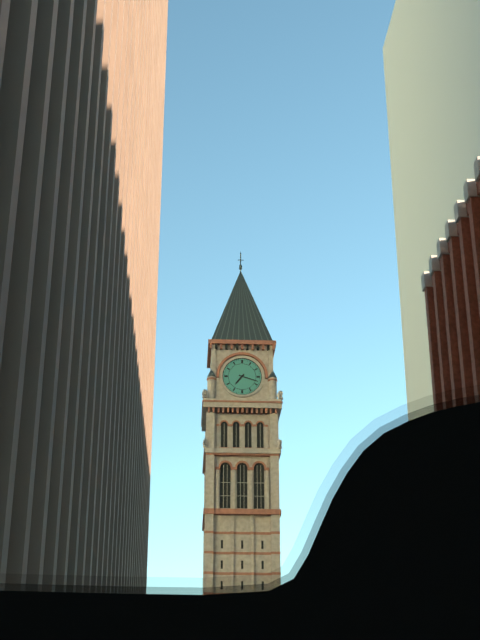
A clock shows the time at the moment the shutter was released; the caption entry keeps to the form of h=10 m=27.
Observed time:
h=7 m=18
